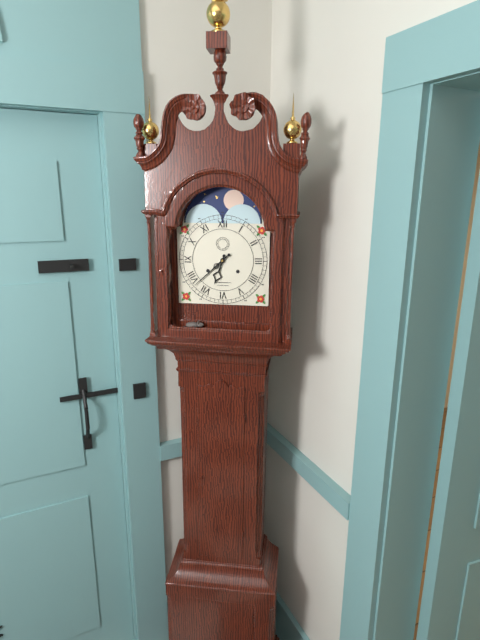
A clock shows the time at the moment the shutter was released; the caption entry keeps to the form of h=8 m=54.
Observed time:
h=6 m=38
